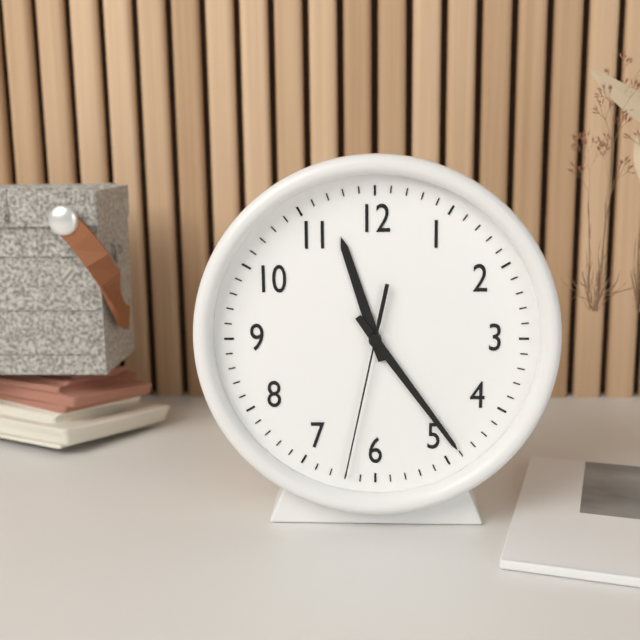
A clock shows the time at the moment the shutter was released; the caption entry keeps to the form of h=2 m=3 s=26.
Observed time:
h=11 m=24 s=32
